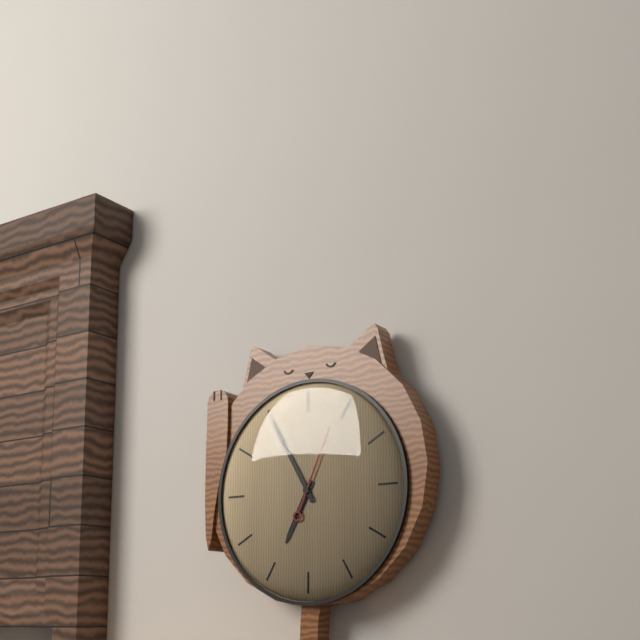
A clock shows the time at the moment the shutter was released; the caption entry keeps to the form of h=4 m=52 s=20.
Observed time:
h=6 m=55 s=4
